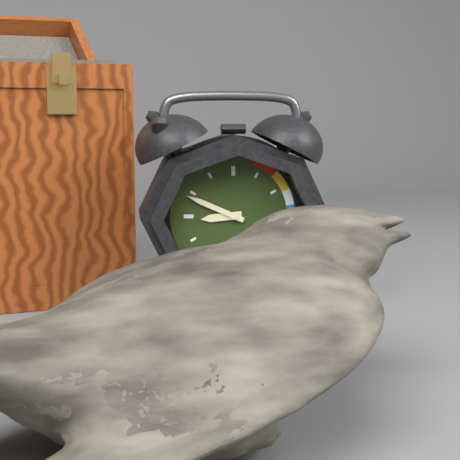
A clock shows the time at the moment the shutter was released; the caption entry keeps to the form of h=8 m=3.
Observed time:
h=8 m=49
